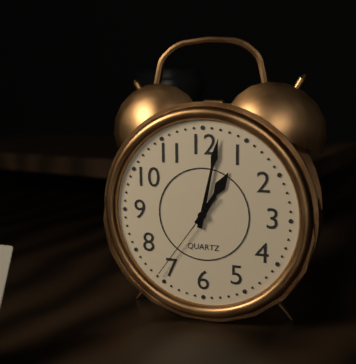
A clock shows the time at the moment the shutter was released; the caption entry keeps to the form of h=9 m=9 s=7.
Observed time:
h=1 m=2 s=36
